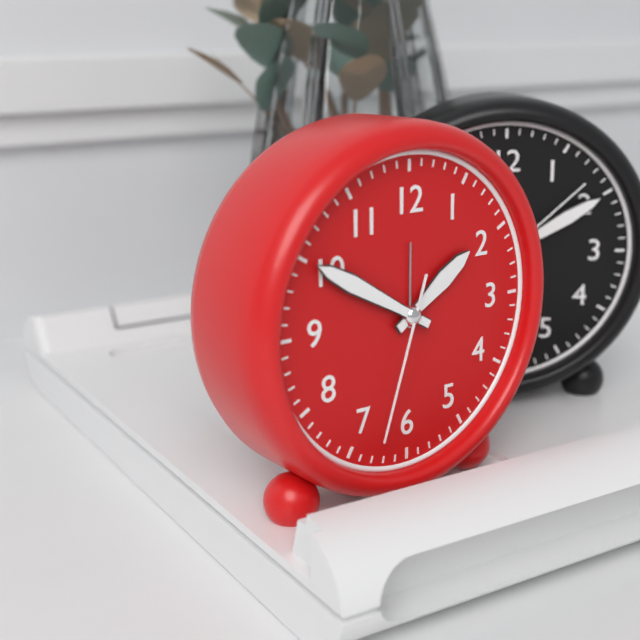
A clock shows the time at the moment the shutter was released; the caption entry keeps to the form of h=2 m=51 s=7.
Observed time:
h=1 m=50 s=33
